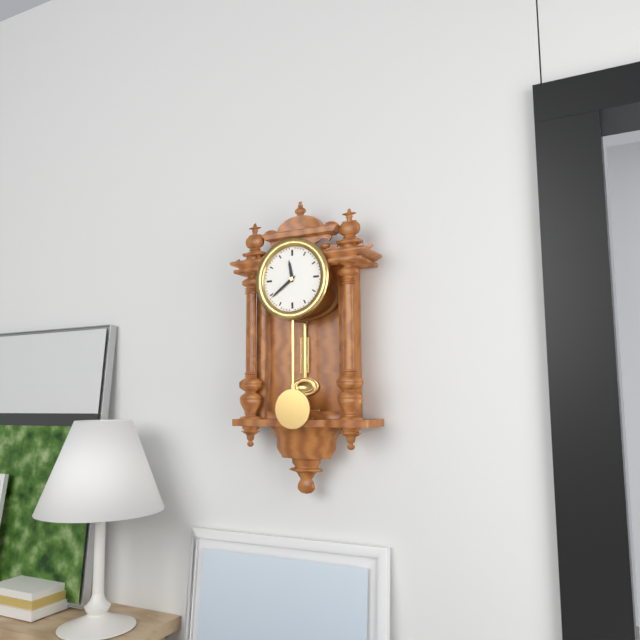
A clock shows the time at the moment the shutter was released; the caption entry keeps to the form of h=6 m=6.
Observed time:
h=11 m=39
